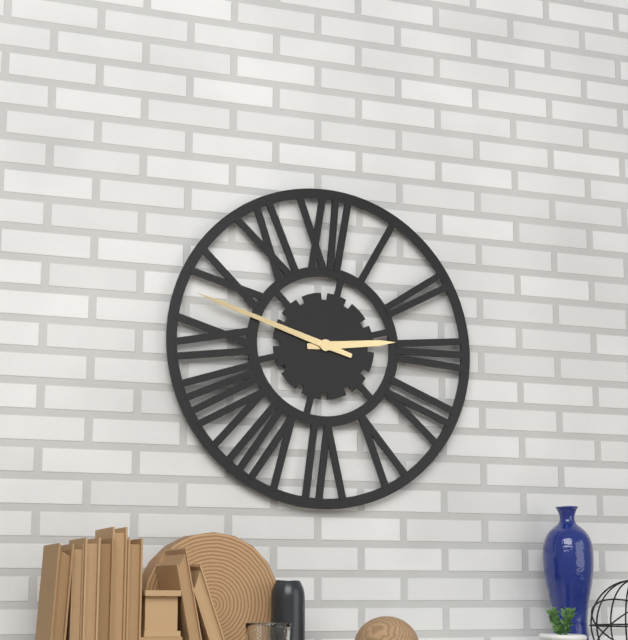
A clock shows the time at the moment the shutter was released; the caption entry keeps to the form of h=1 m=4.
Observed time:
h=2 m=48
